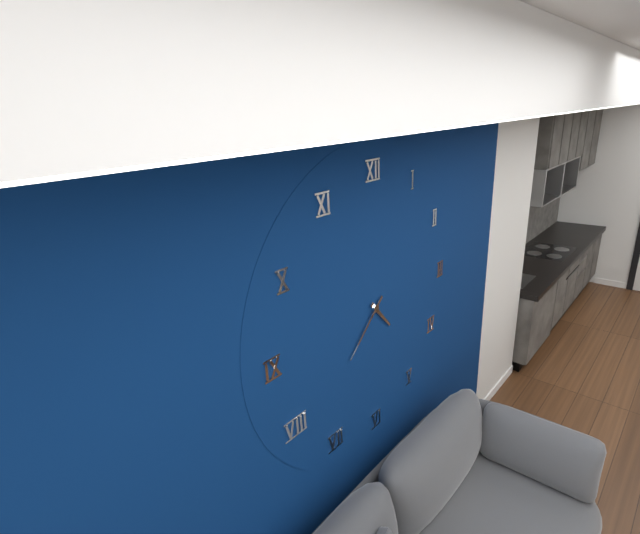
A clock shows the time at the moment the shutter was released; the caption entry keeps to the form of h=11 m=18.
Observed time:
h=4 m=38
